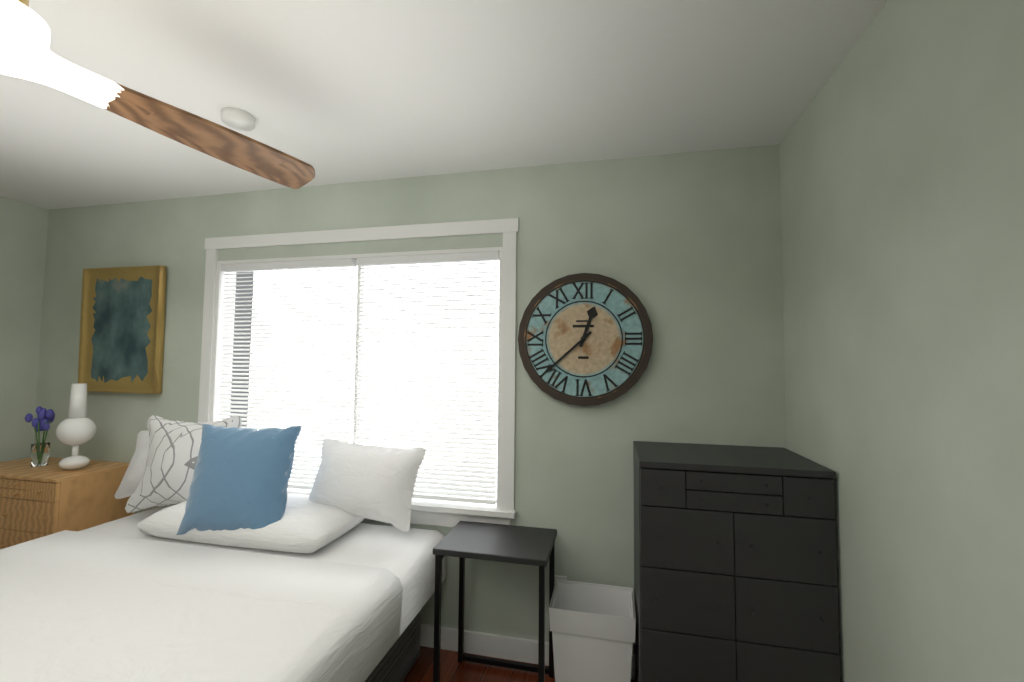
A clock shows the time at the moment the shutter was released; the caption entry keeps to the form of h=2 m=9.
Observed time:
h=12 m=38
